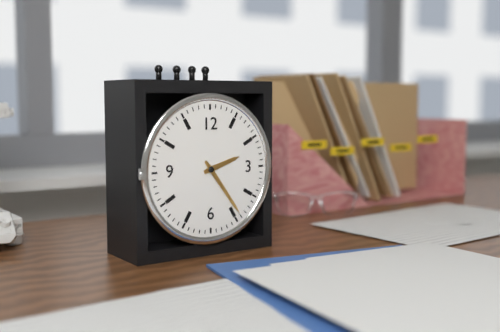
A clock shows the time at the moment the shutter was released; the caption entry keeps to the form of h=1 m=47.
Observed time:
h=2 m=24
